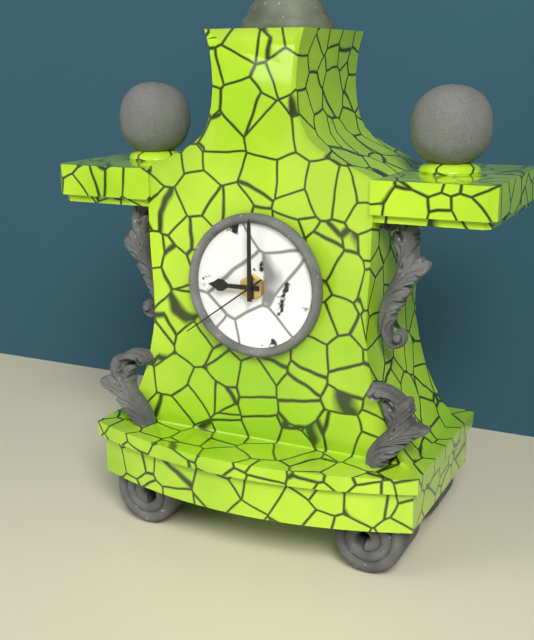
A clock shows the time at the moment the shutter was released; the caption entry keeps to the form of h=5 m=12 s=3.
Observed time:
h=9 m=0 s=39
